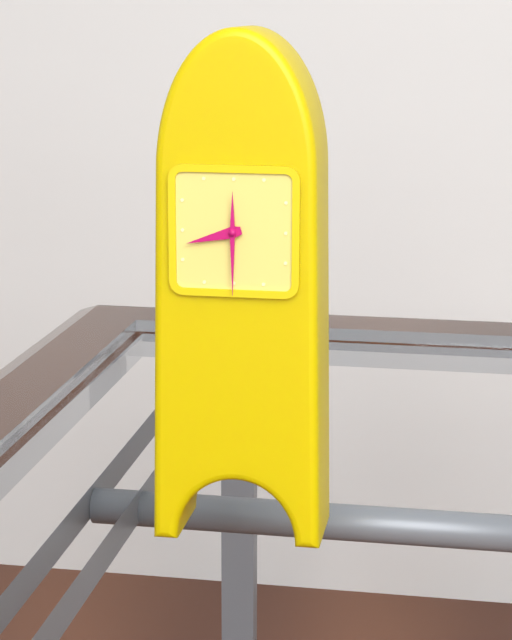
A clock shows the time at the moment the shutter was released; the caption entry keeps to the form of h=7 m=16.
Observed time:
h=8 m=30
